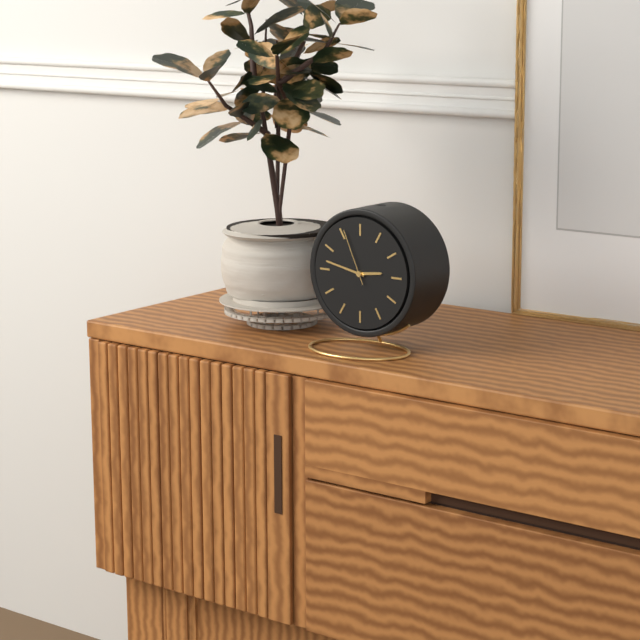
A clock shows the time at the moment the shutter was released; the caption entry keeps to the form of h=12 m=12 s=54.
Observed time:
h=2 m=47 s=56
